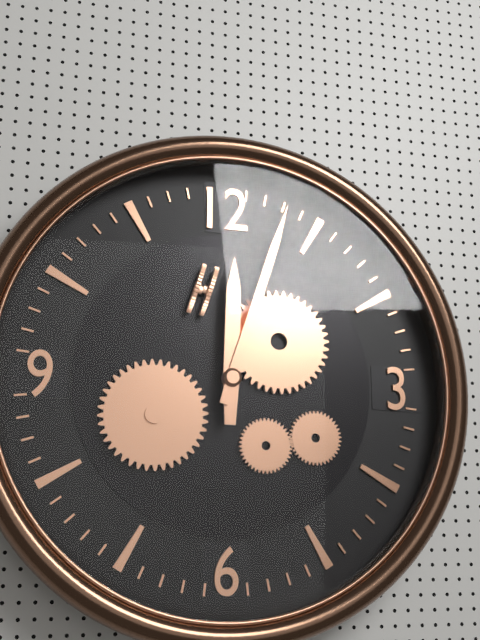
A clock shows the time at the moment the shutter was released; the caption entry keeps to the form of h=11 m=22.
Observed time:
h=12 m=3
